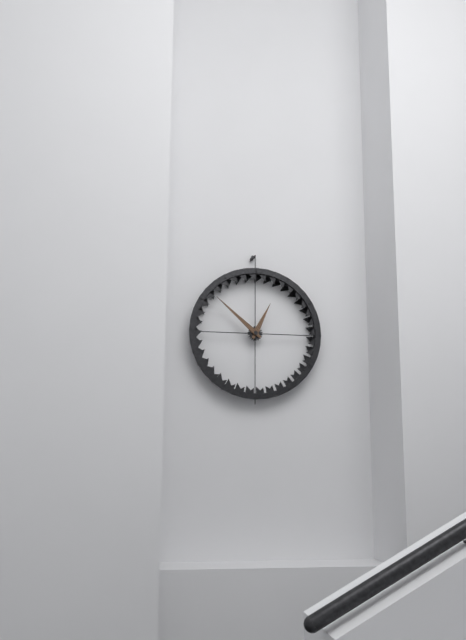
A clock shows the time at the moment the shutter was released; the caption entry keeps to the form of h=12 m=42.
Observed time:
h=12 m=52
